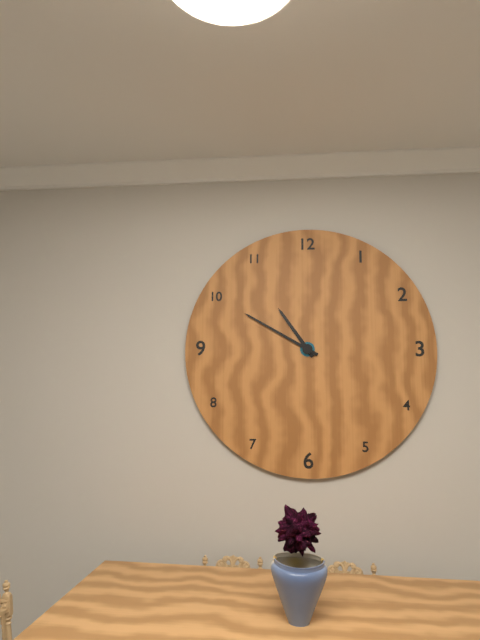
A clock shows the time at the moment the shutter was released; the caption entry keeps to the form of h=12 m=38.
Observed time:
h=10 m=50
